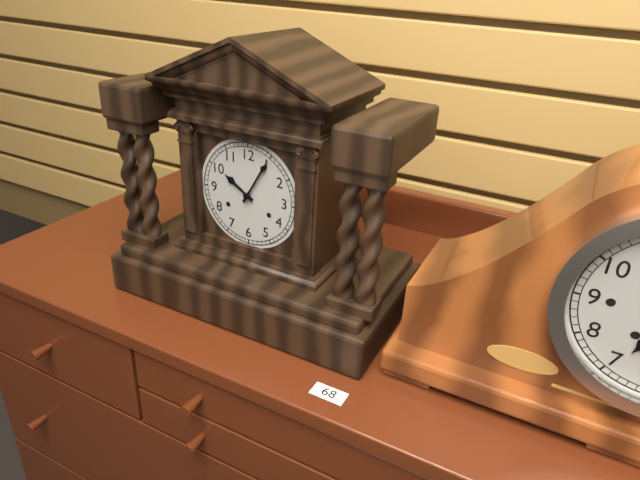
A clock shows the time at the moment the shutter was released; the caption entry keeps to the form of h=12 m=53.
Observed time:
h=10 m=5
